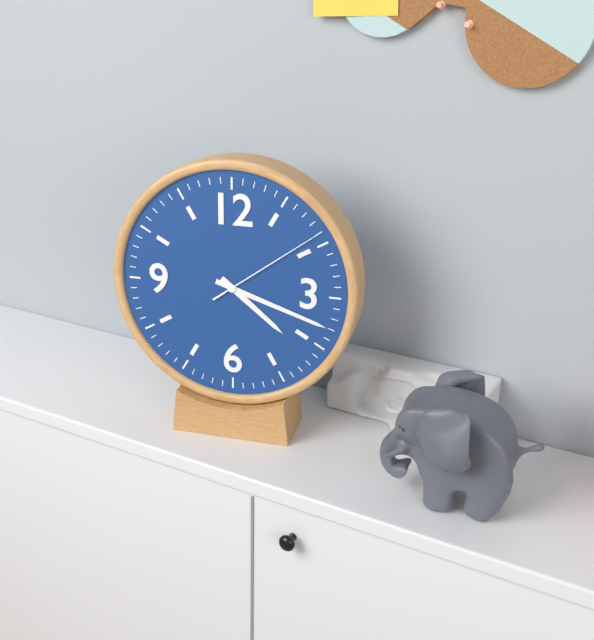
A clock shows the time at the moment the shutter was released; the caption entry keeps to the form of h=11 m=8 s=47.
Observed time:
h=4 m=18 s=9
